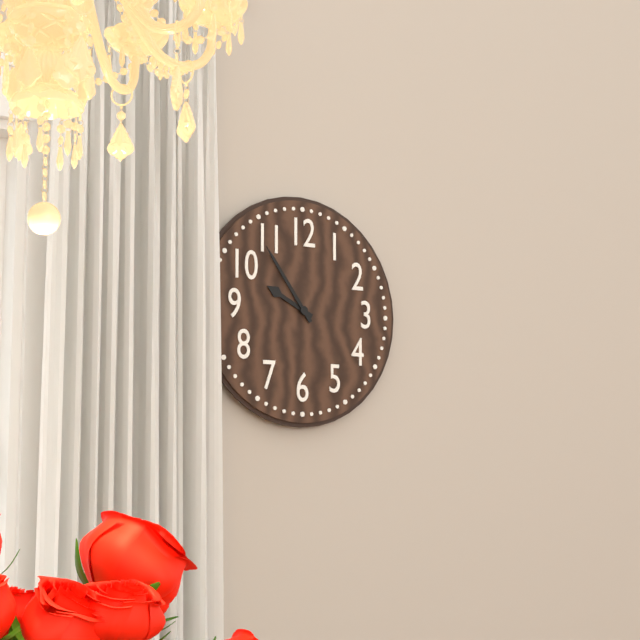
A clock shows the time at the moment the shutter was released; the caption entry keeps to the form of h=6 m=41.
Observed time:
h=9 m=54
